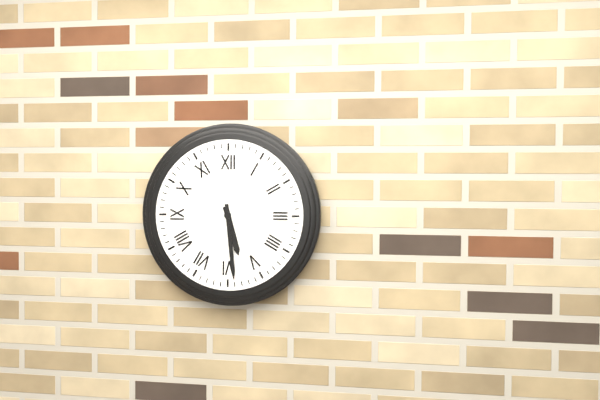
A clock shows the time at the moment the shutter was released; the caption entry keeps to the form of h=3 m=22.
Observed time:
h=5 m=29
